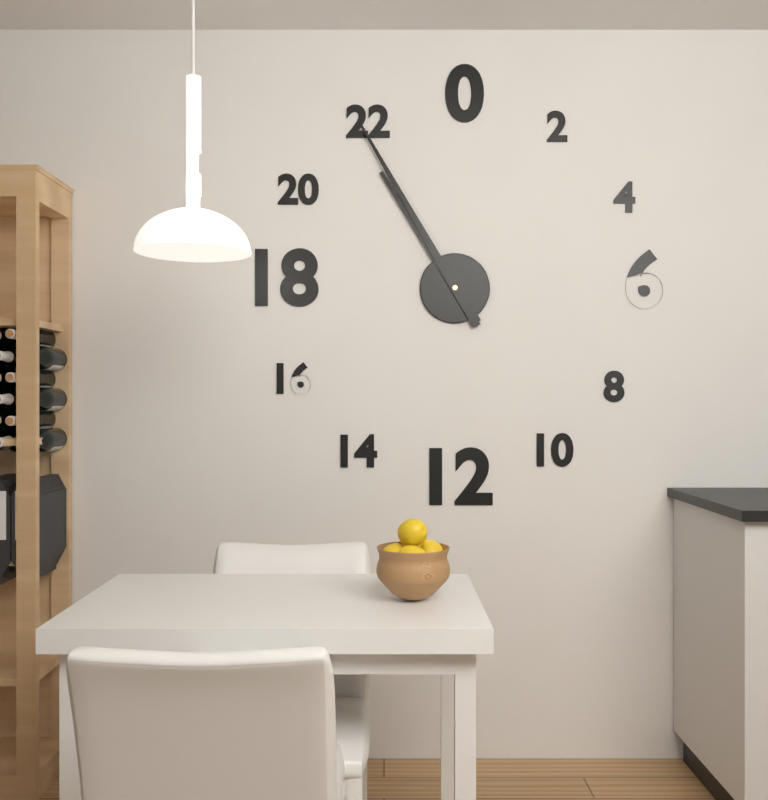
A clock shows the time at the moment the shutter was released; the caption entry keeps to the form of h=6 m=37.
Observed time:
h=10 m=55
